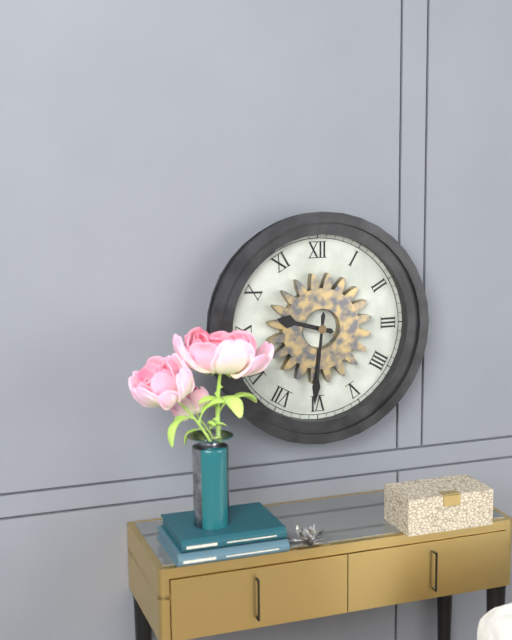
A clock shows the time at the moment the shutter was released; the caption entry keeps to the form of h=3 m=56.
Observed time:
h=9 m=31
